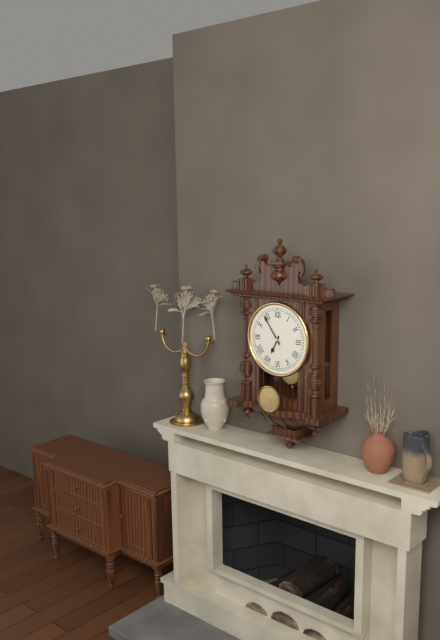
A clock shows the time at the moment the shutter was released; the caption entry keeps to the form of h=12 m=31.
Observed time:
h=6 m=54
